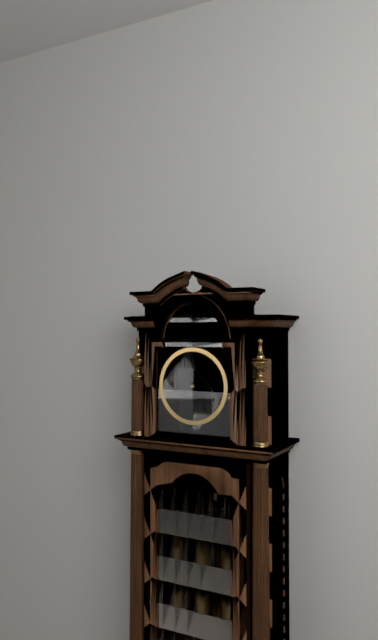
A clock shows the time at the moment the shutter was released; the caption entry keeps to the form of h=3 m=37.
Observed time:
h=12 m=30
